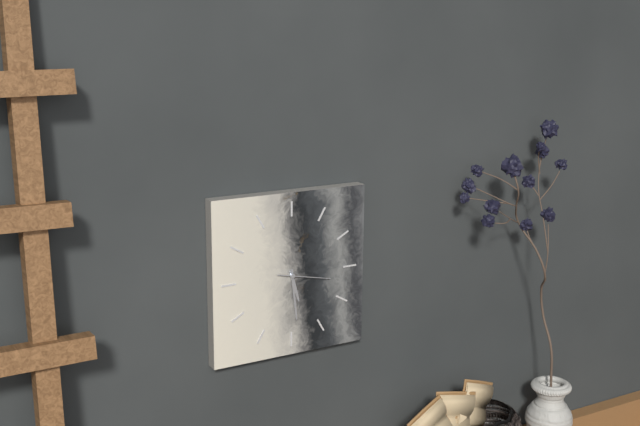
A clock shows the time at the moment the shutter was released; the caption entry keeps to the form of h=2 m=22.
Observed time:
h=5 m=29
